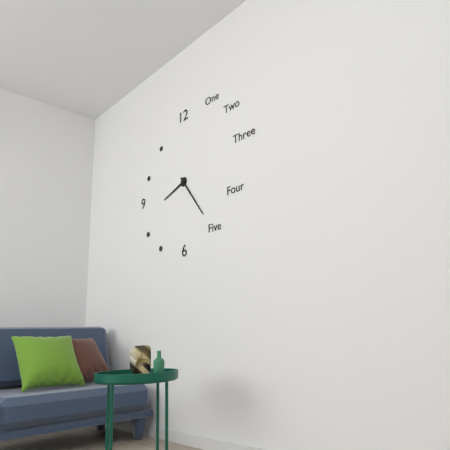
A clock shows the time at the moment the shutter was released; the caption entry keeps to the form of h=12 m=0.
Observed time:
h=8 m=24
